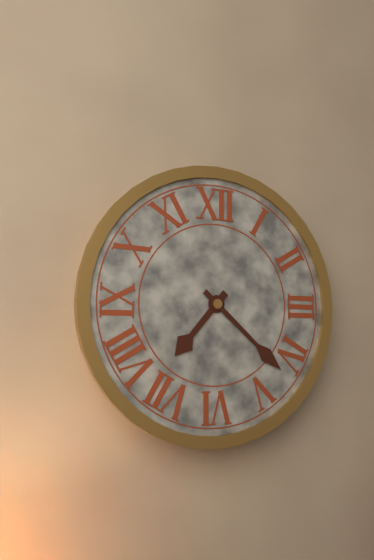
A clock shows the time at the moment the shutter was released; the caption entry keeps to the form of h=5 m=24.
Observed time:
h=7 m=22
